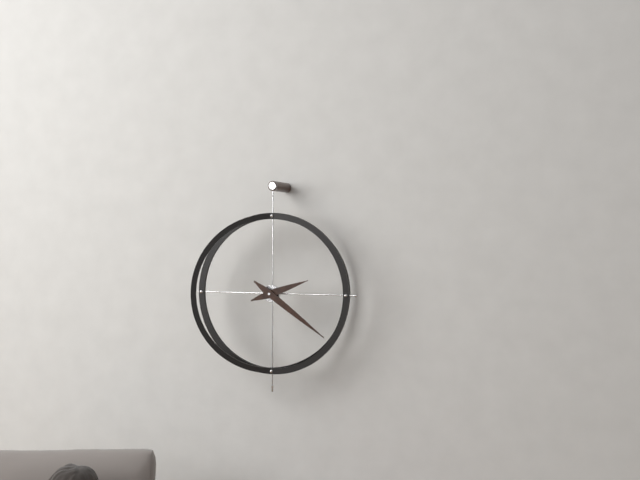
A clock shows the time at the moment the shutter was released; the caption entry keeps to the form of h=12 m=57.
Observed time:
h=2 m=21
